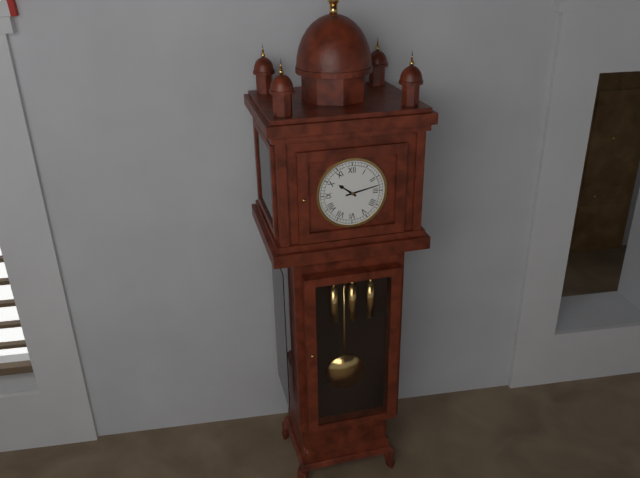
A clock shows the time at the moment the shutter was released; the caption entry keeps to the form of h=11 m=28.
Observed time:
h=10 m=13
